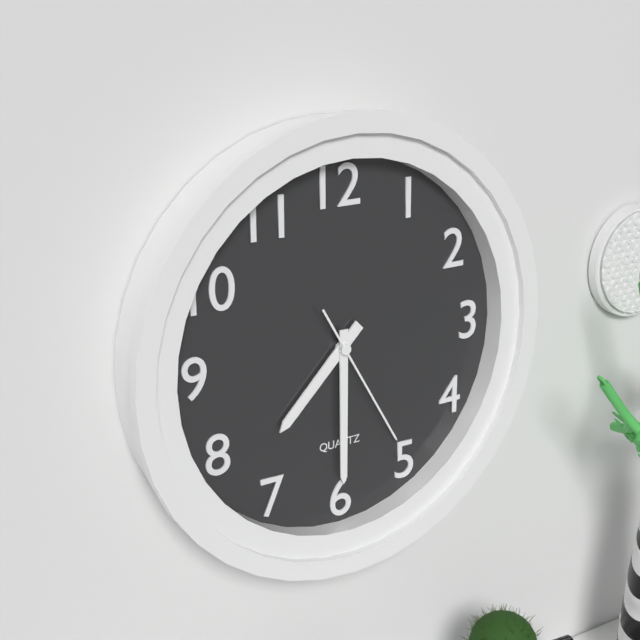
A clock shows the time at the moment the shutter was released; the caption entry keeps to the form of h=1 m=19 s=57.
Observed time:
h=7 m=30 s=25
